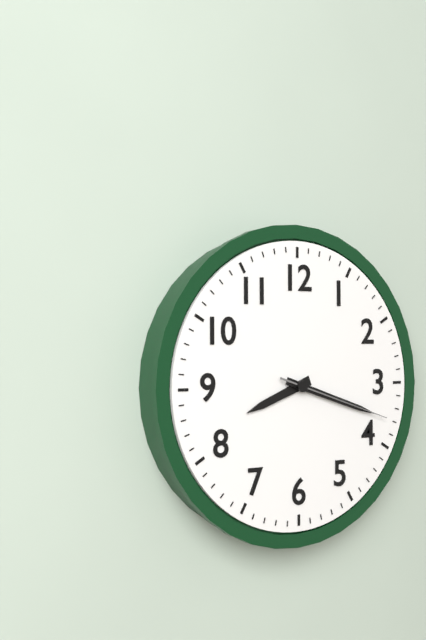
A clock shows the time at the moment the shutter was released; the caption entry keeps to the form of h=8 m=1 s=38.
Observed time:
h=8 m=18 s=18
